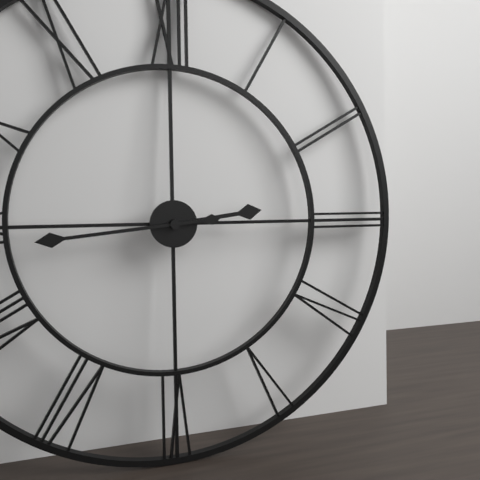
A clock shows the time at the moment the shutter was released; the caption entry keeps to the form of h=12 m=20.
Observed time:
h=2 m=44
